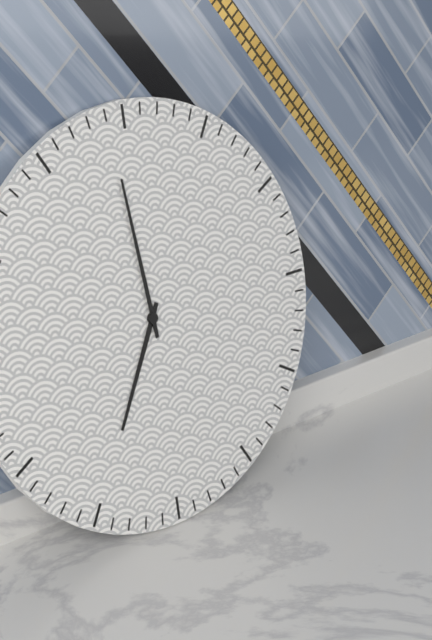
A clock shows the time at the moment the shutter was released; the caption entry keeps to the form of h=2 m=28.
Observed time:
h=6 m=59
